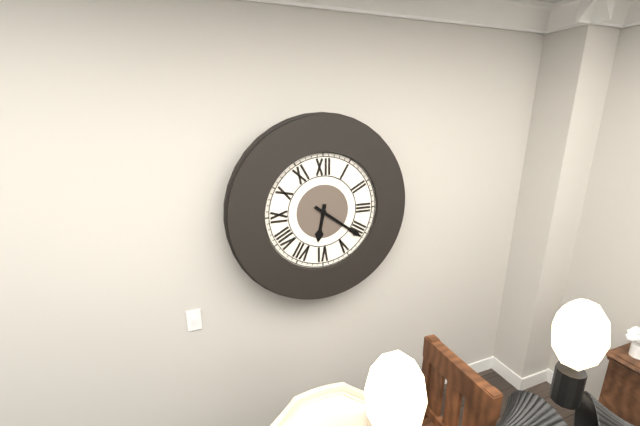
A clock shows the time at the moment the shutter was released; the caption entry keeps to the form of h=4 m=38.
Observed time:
h=6 m=21
